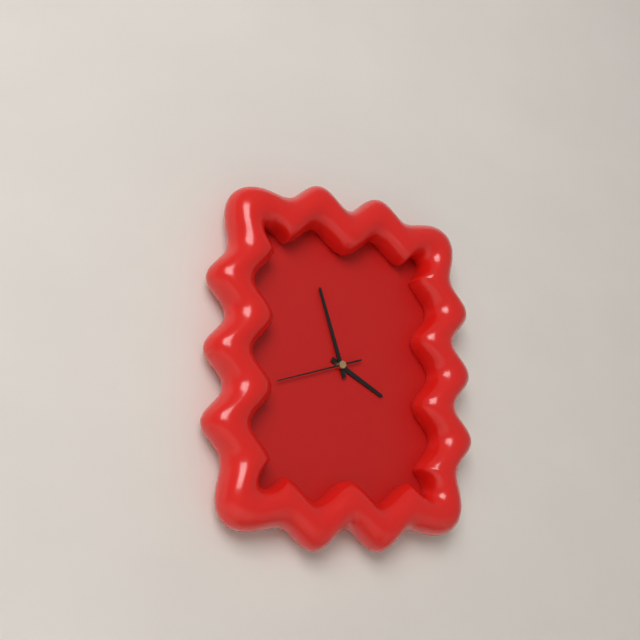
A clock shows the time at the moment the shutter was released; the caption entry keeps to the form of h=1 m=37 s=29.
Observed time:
h=3 m=57 s=42
